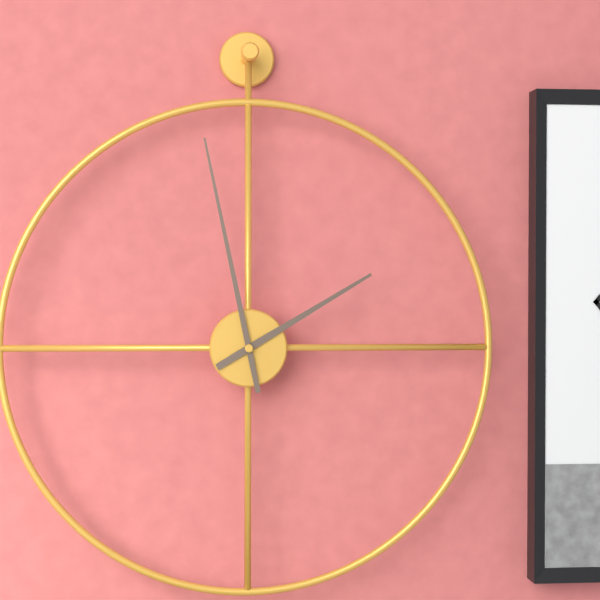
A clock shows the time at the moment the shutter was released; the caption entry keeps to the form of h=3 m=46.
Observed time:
h=1 m=58
